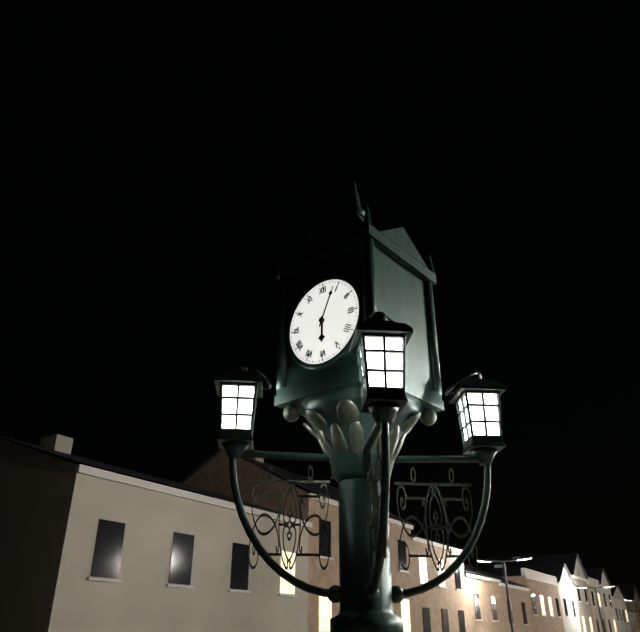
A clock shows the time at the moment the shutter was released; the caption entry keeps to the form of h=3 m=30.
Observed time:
h=6 m=4
